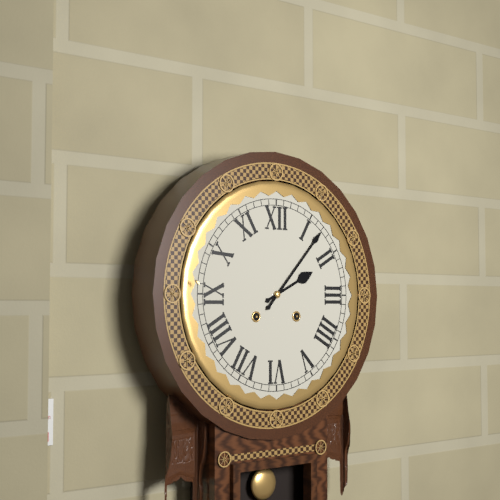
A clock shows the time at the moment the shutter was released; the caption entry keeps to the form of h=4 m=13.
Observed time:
h=2 m=7
